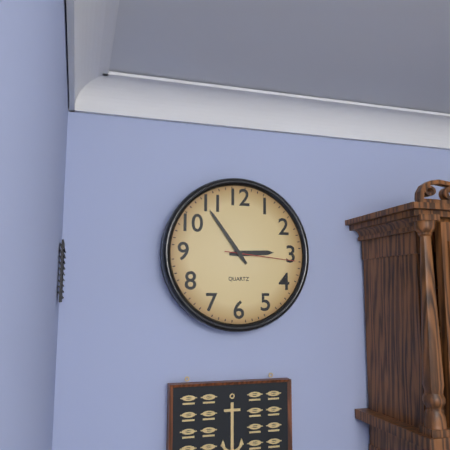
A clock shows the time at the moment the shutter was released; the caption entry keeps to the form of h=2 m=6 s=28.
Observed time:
h=2 m=54 s=16
